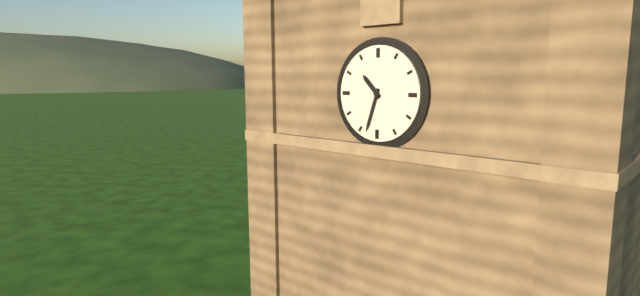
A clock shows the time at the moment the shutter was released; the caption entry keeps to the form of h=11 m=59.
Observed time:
h=10 m=33
